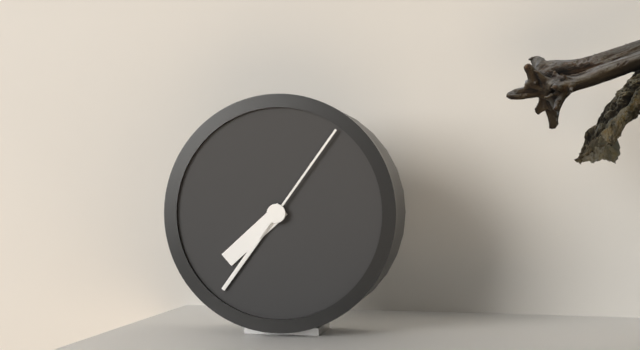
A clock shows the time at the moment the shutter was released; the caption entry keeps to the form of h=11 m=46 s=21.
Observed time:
h=7 m=36 s=6
